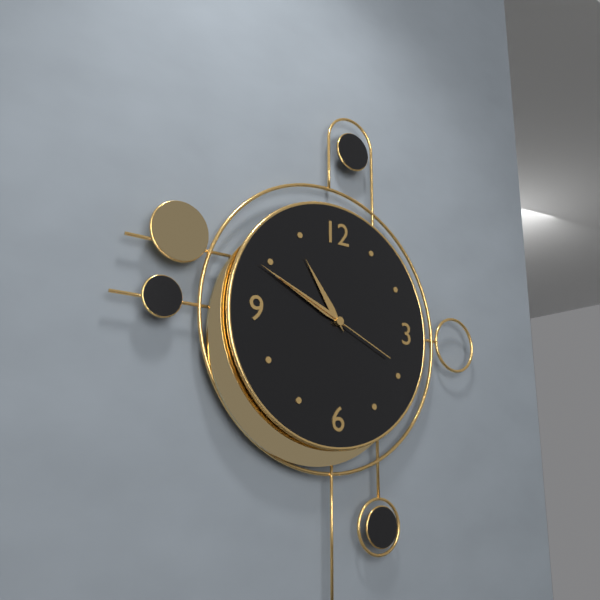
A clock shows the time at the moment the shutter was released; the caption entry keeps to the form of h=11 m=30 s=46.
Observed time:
h=10 m=49 s=49
